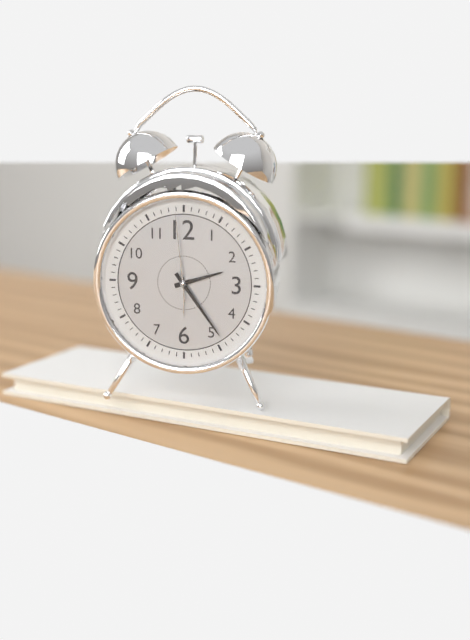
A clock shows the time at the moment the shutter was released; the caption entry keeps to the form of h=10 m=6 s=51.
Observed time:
h=2 m=24 s=59
